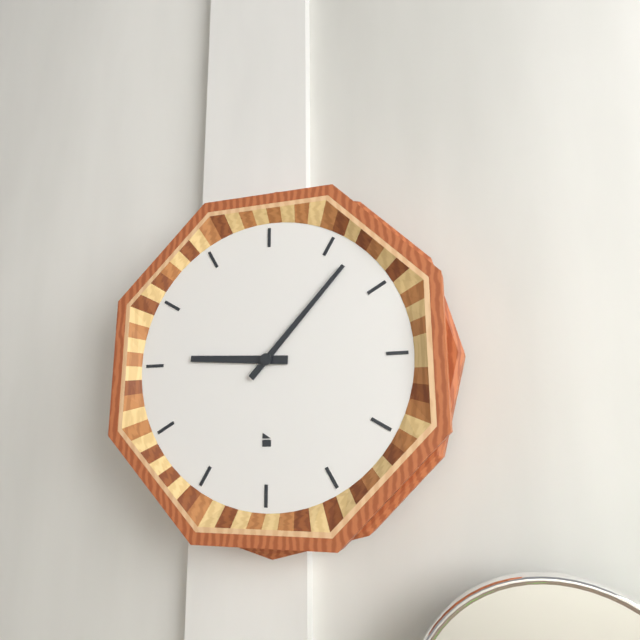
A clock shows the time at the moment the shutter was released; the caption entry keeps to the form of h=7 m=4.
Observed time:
h=9 m=7
